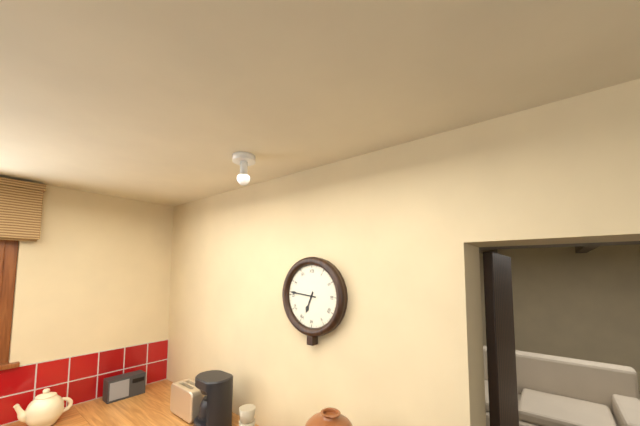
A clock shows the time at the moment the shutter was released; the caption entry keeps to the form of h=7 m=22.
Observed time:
h=6 m=46
